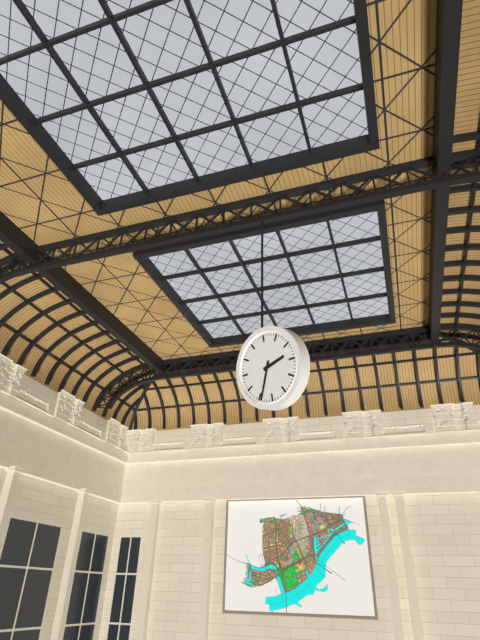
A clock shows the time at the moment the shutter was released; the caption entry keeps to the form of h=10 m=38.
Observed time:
h=2 m=34
